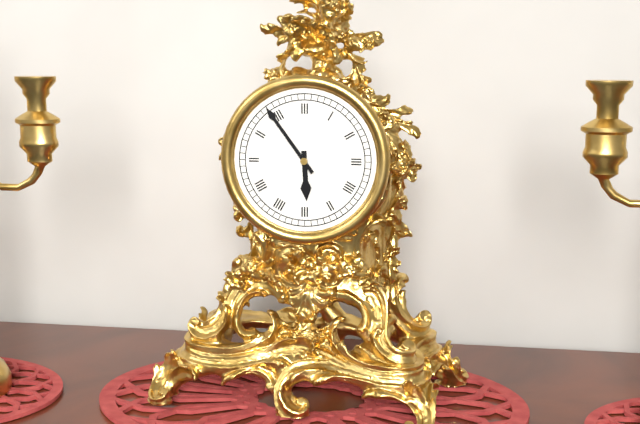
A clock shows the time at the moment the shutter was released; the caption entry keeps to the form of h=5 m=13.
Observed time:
h=5 m=54
